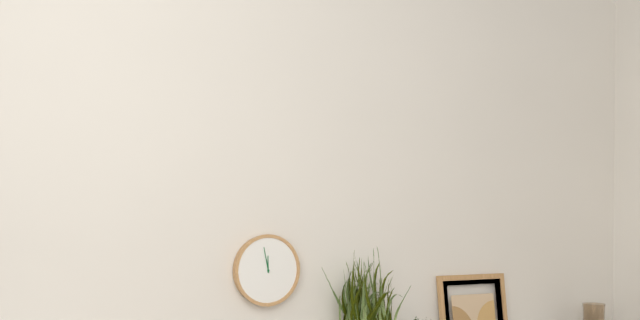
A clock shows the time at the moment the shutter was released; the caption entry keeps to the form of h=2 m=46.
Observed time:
h=11 m=58
